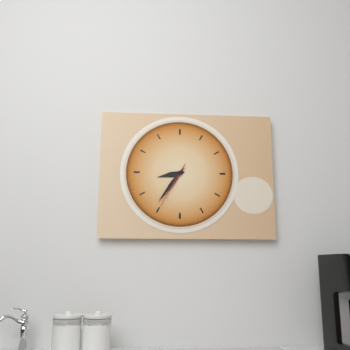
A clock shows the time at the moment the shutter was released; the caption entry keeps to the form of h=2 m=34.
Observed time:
h=8 m=36
